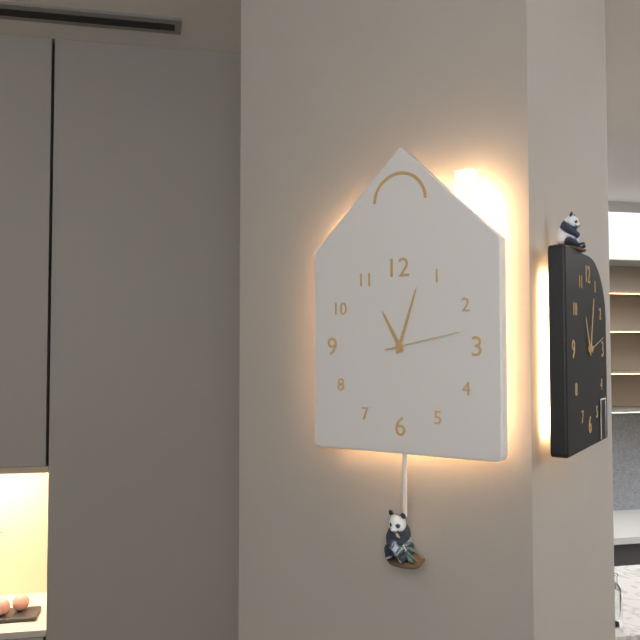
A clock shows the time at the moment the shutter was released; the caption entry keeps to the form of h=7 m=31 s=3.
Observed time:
h=11 m=3 s=13
